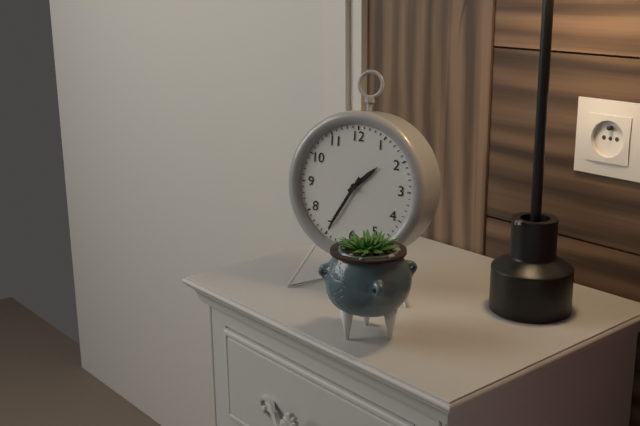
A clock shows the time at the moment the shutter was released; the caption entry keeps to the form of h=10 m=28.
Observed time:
h=1 m=35
